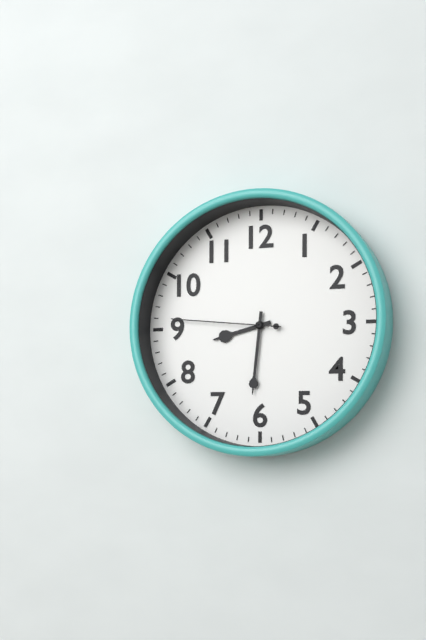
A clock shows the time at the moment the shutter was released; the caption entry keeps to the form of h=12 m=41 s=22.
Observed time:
h=8 m=31 s=46
